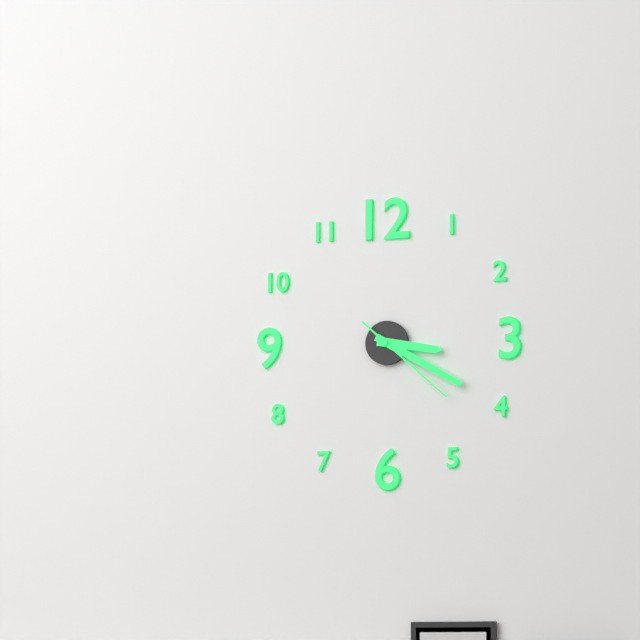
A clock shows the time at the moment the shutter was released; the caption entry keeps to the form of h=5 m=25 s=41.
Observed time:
h=3 m=20 s=22
